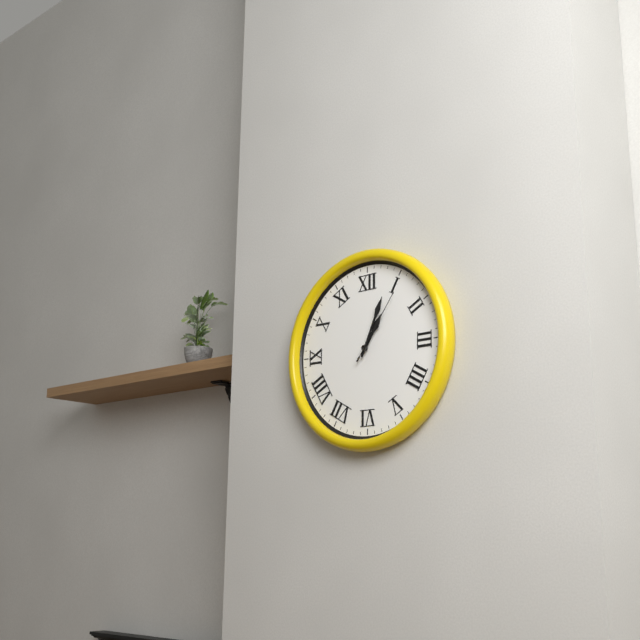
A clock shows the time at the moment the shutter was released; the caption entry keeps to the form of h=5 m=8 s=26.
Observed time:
h=1 m=4 s=6
